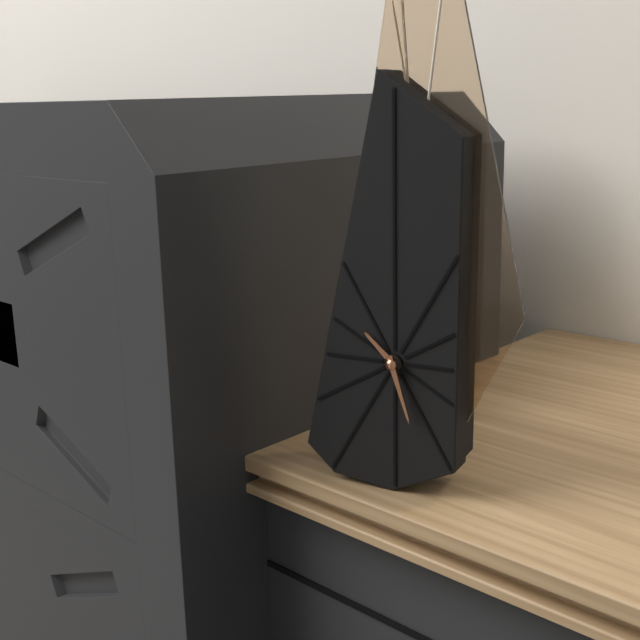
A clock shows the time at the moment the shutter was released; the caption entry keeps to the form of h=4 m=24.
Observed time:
h=10 m=27
